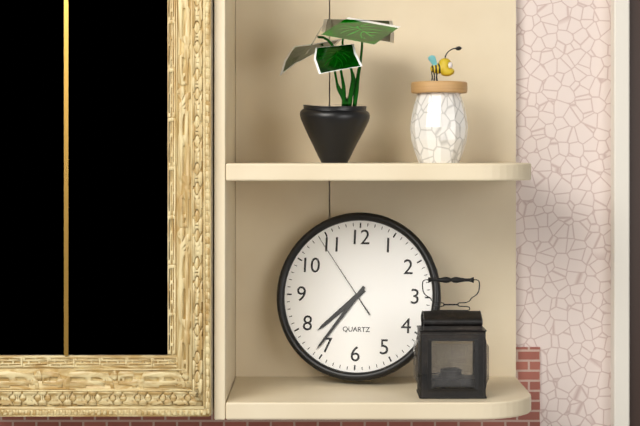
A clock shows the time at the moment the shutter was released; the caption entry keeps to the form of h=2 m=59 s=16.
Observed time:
h=7 m=36 s=54
